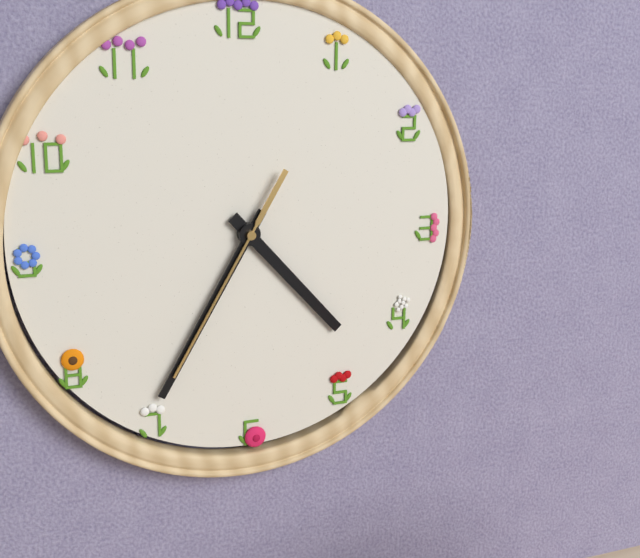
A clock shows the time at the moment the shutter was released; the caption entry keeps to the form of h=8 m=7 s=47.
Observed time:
h=4 m=35 s=35
